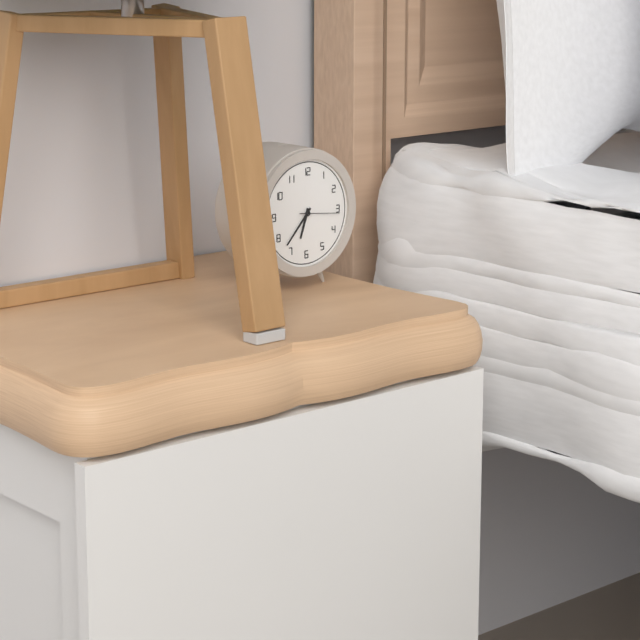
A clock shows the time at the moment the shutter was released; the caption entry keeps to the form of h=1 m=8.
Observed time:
h=6 m=37
